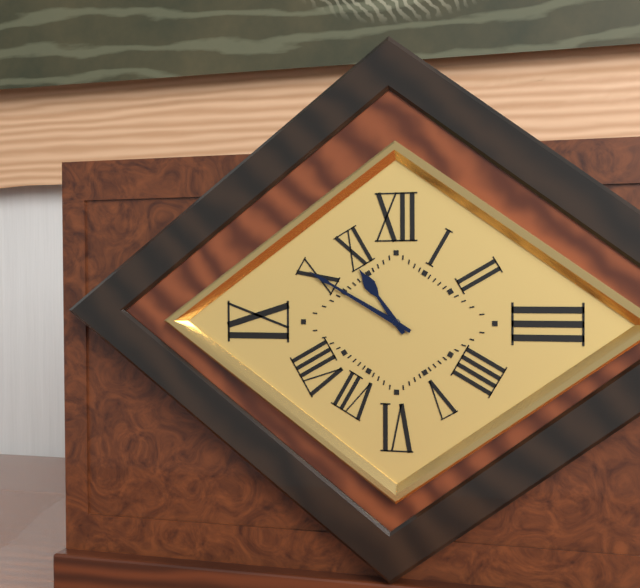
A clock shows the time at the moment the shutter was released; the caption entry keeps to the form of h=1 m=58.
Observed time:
h=10 m=50
